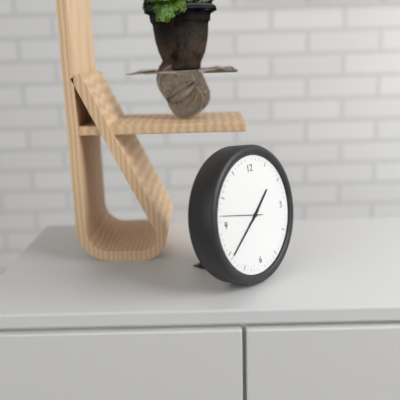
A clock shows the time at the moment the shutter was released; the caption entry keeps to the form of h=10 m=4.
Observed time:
h=1 m=39
